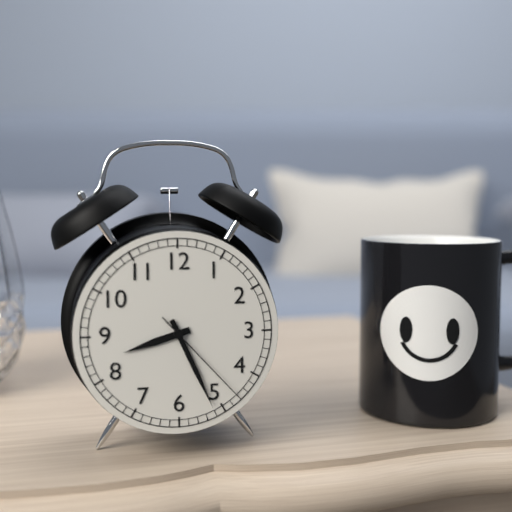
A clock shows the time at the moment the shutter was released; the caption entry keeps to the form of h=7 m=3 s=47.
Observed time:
h=8 m=26 s=23
